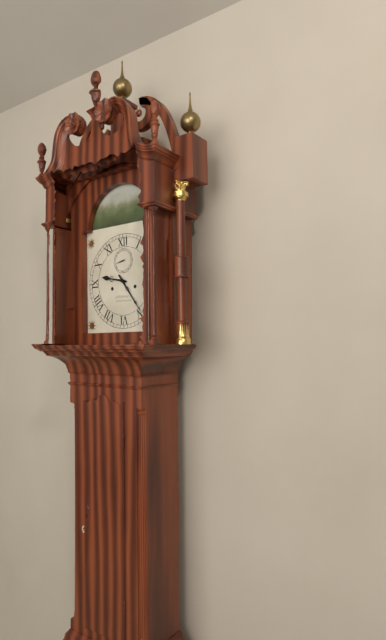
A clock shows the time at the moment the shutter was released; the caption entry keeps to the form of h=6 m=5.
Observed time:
h=9 m=24
